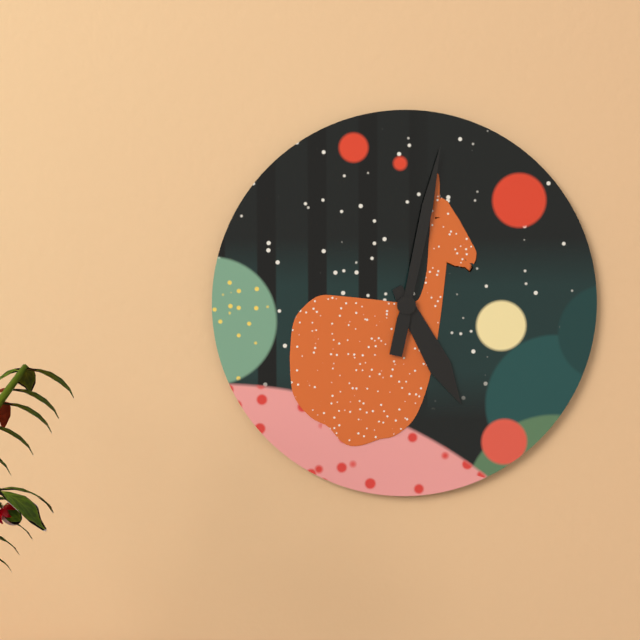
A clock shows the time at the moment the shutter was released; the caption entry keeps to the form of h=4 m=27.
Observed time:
h=5 m=2
